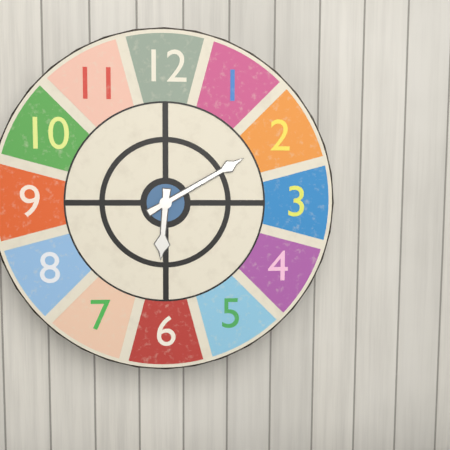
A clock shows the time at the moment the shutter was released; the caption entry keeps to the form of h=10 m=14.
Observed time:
h=6 m=10
